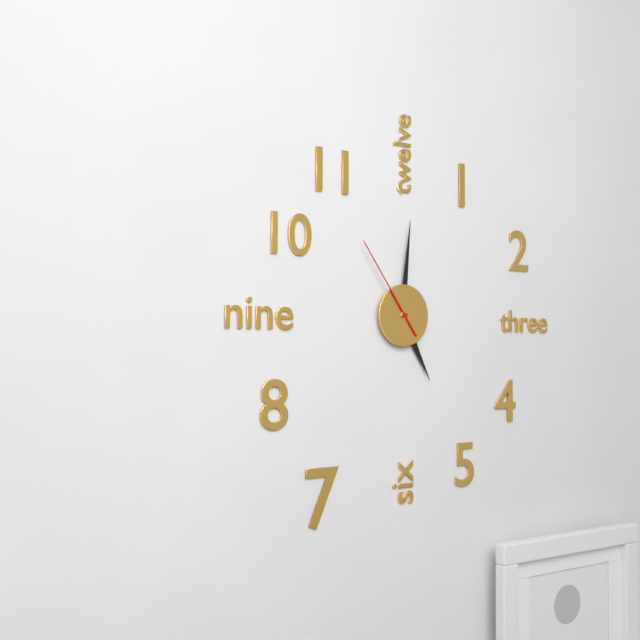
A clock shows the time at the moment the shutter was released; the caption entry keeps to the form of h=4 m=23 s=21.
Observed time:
h=5 m=1 s=54
